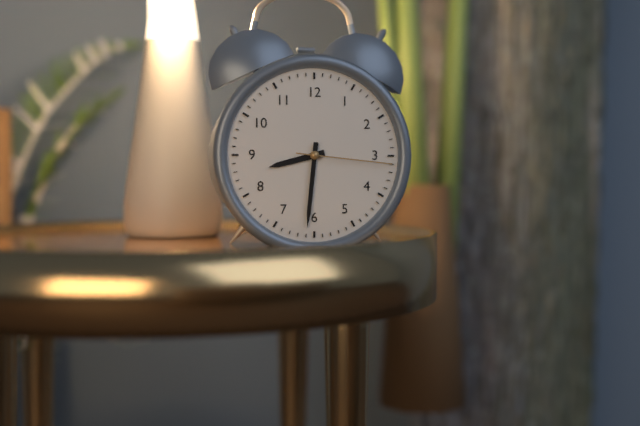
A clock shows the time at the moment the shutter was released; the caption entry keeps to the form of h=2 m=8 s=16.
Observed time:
h=8 m=31 s=16
